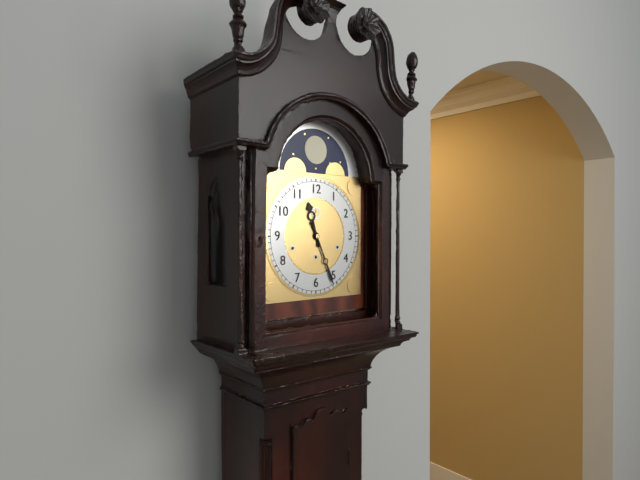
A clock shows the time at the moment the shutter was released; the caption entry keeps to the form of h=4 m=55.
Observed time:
h=11 m=26
